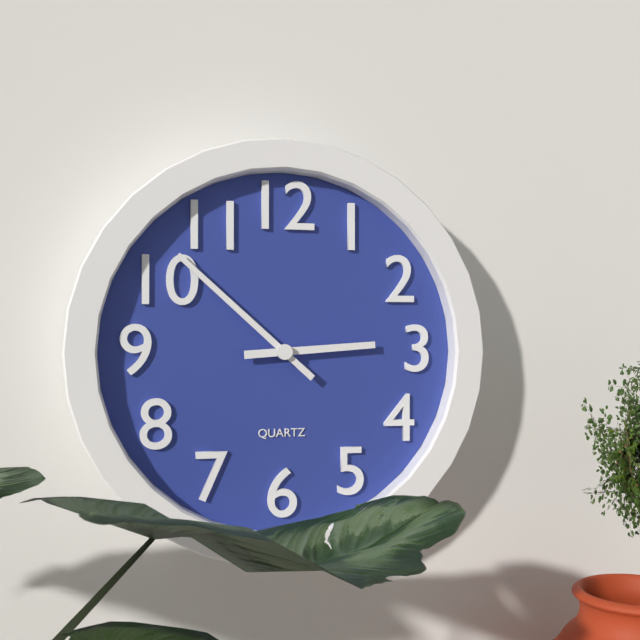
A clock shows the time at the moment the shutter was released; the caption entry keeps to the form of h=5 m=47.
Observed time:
h=2 m=52
